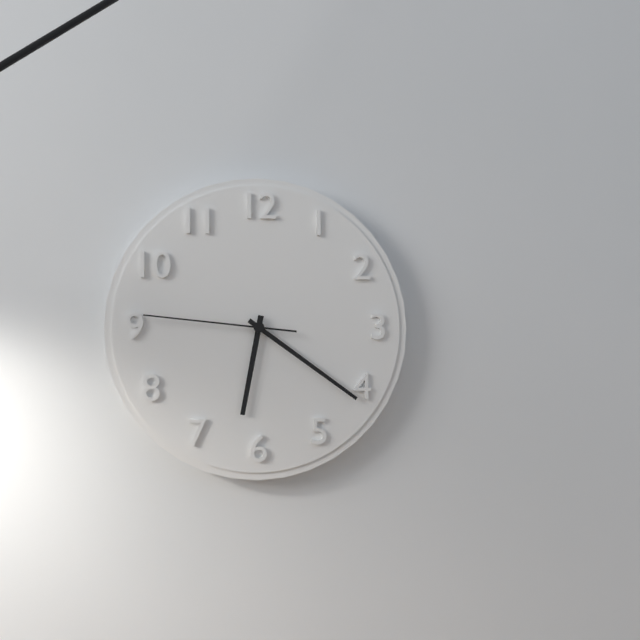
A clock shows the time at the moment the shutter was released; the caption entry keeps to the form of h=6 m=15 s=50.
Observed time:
h=6 m=21 s=46
